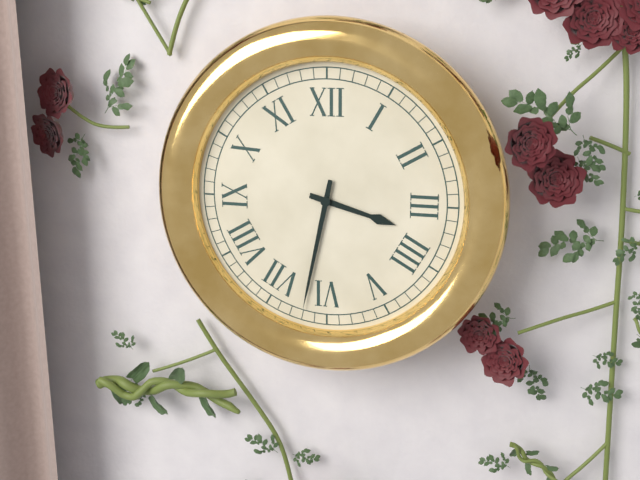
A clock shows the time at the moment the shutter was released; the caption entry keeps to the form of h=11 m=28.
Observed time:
h=3 m=32
